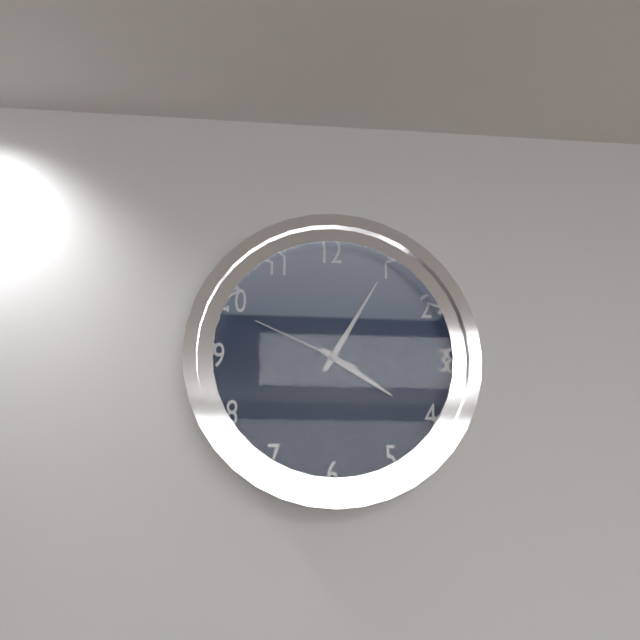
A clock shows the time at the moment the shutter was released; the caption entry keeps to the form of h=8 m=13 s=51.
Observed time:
h=4 m=5 s=49
